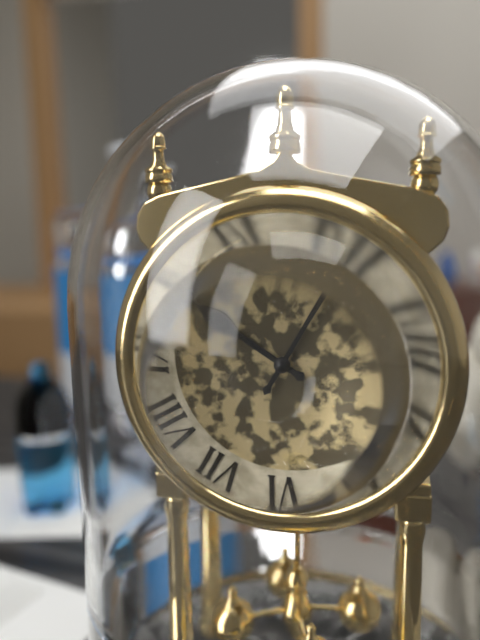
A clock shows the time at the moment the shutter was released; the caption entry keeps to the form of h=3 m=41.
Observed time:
h=10 m=5
